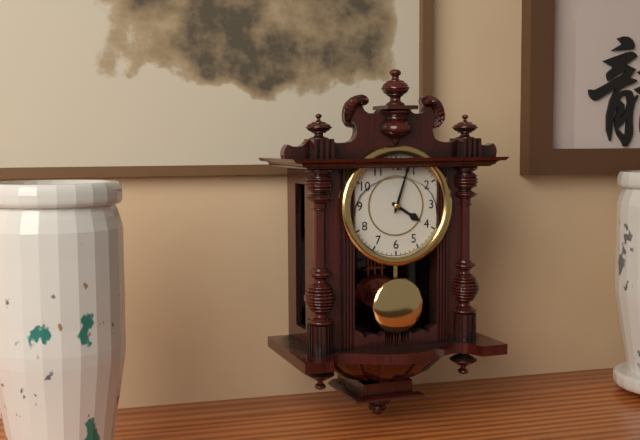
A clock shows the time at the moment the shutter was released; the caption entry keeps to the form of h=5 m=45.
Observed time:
h=4 m=3
